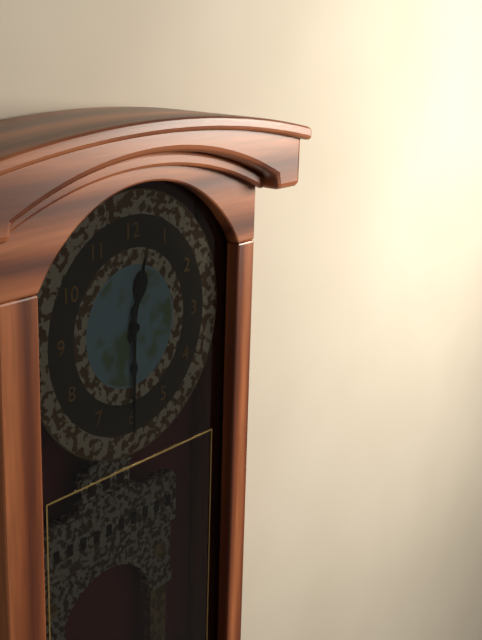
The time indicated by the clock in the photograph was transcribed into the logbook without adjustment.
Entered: 12:30
